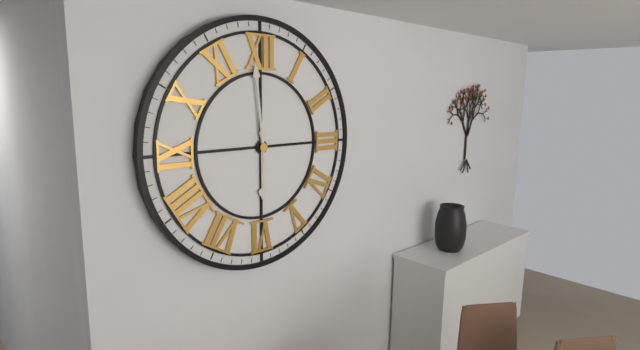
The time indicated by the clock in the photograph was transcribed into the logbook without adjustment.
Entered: 5:59
